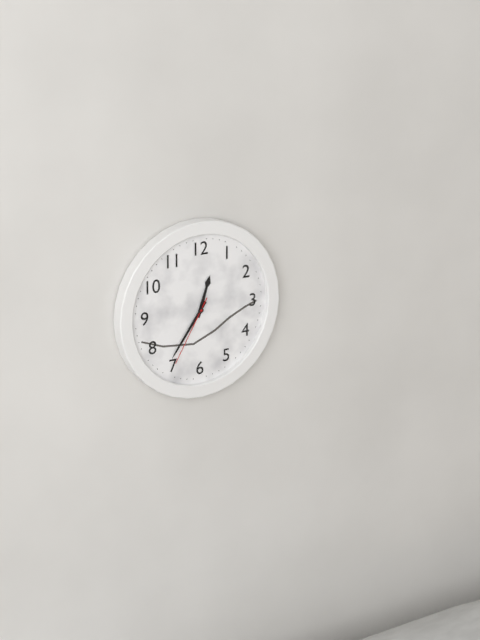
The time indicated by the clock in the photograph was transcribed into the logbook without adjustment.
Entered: 12:36:35
